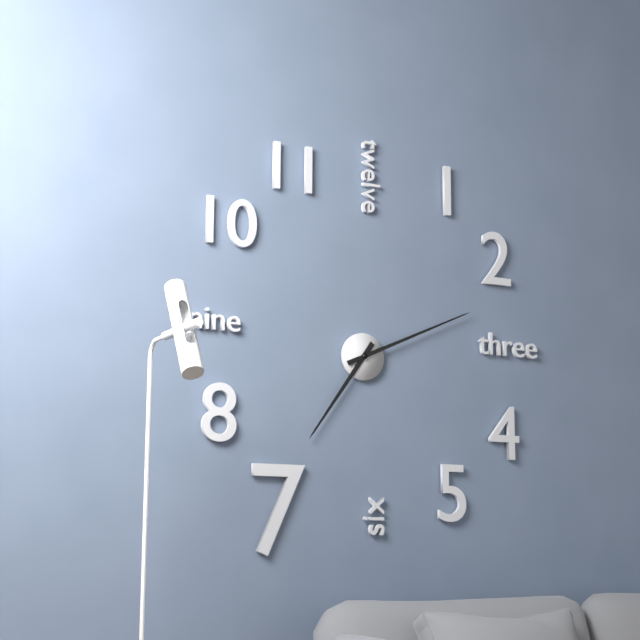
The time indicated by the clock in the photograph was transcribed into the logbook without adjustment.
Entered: 7:11
